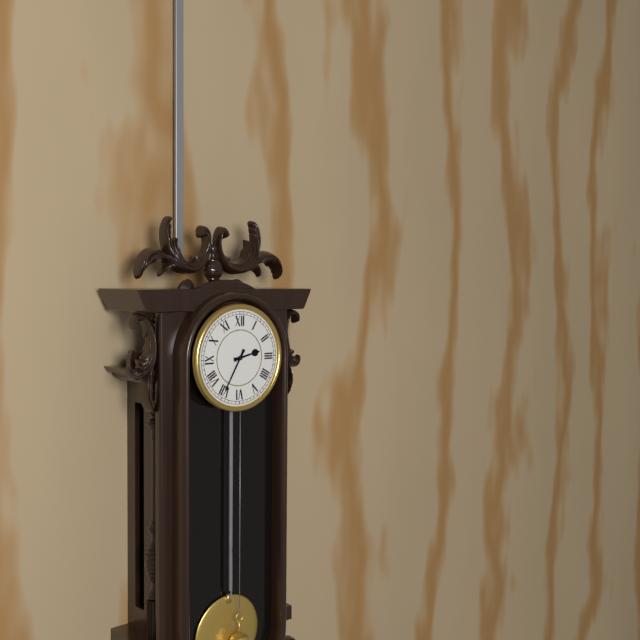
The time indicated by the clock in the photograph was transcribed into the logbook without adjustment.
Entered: 2:35
